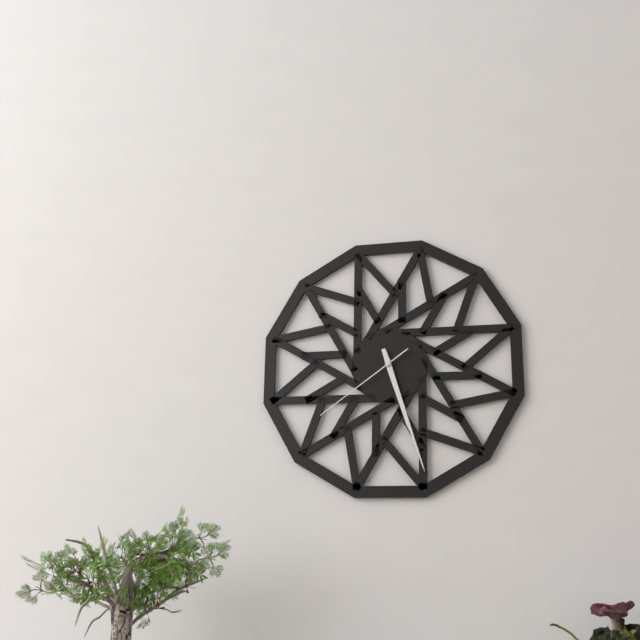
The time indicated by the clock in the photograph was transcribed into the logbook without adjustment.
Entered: 5:27:39
